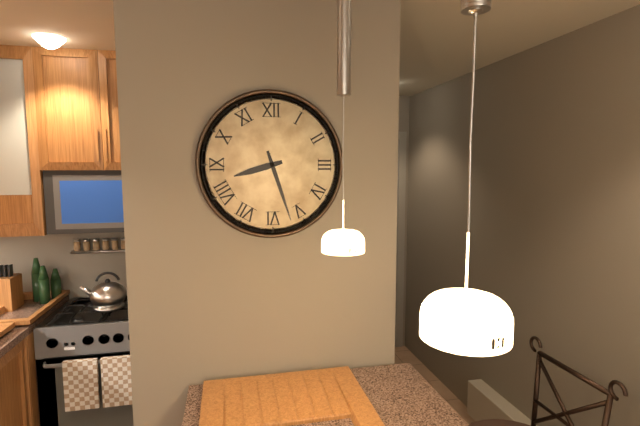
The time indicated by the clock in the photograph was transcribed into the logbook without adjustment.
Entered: 8:27
